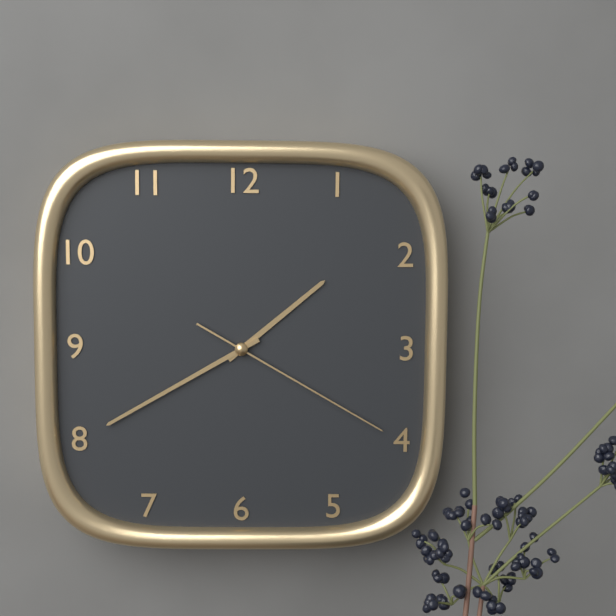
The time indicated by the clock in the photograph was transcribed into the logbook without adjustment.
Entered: 1:40:20
